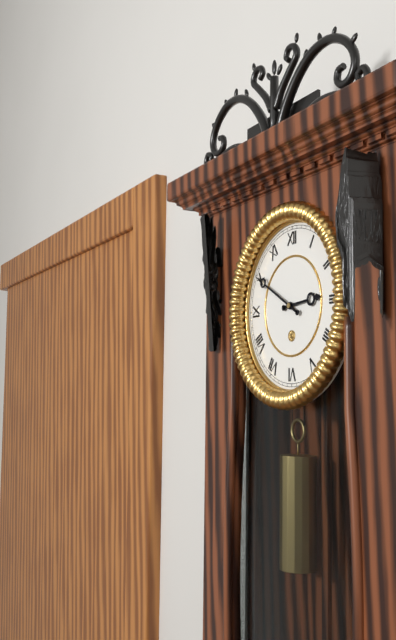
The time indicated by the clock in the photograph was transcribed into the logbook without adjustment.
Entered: 2:50
